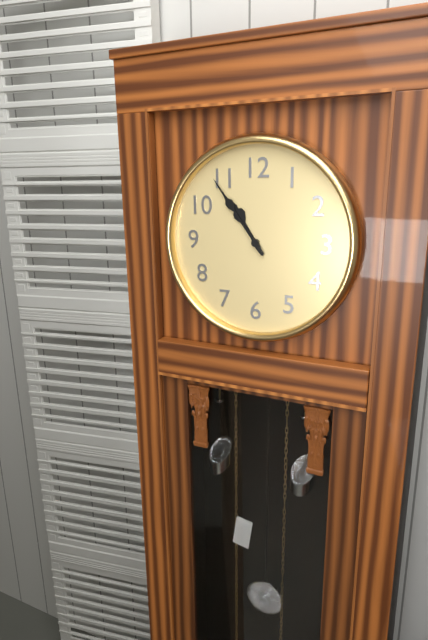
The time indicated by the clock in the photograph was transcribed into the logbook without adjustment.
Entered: 10:54
